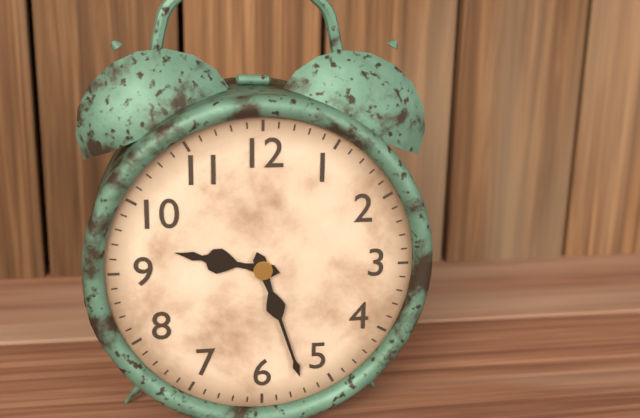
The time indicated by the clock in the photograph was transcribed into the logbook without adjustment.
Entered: 9:27
